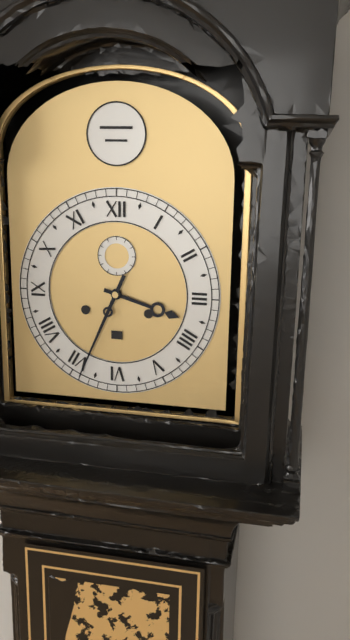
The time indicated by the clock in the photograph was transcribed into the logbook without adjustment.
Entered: 3:34
